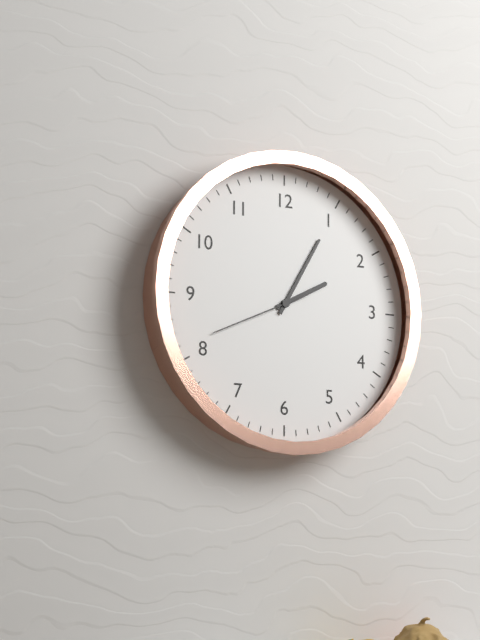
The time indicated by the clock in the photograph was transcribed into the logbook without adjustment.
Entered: 2:05:41
